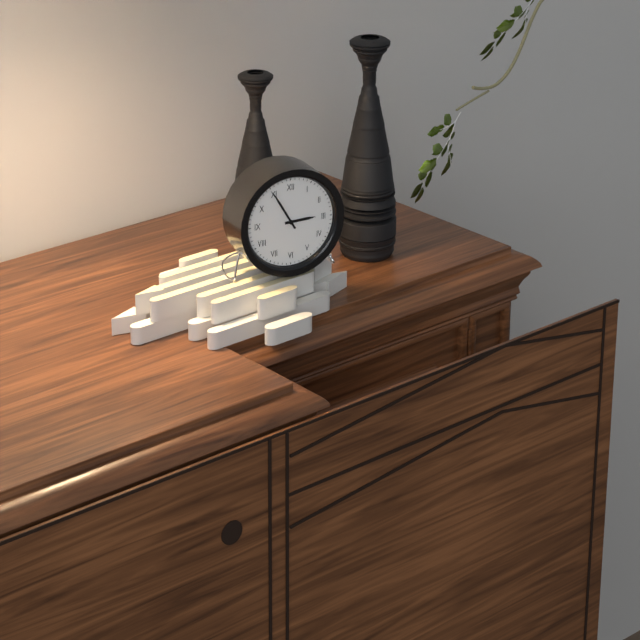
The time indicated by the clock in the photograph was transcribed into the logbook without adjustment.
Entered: 2:55
